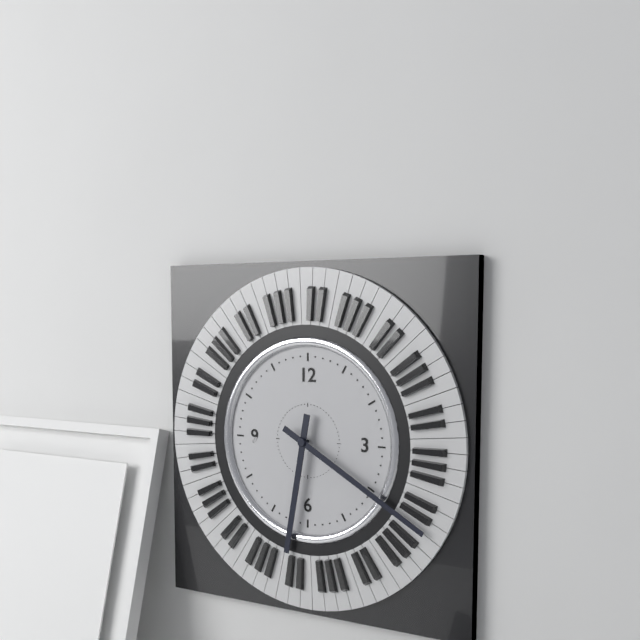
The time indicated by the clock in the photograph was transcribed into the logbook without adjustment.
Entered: 6:20
